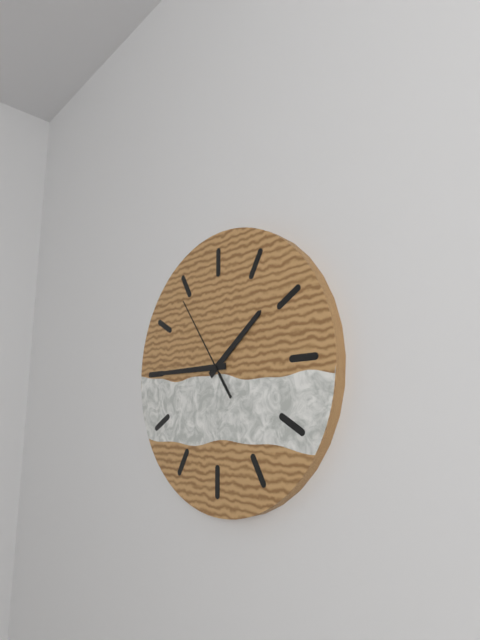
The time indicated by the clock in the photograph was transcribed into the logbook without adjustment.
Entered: 1:45:54
